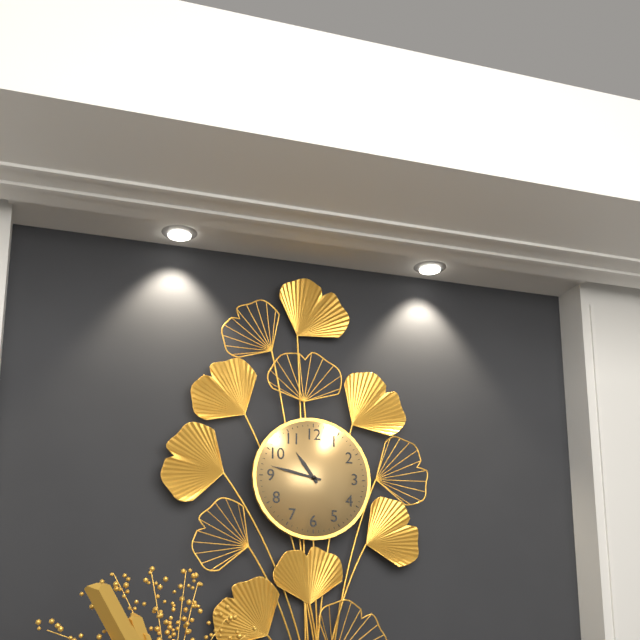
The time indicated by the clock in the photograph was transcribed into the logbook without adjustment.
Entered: 10:47
